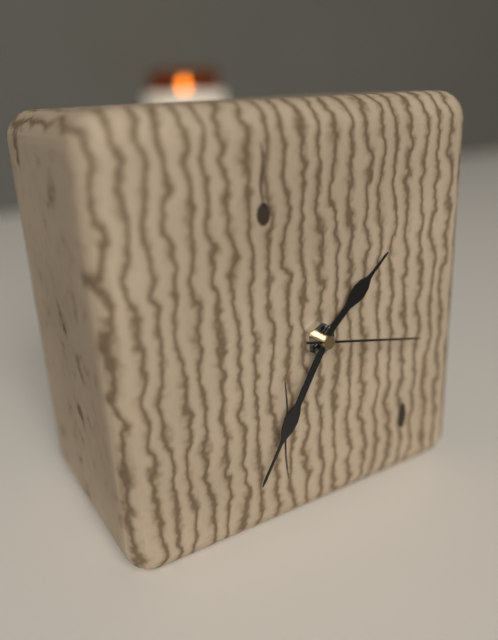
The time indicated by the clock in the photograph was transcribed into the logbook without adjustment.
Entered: 1:35:17
